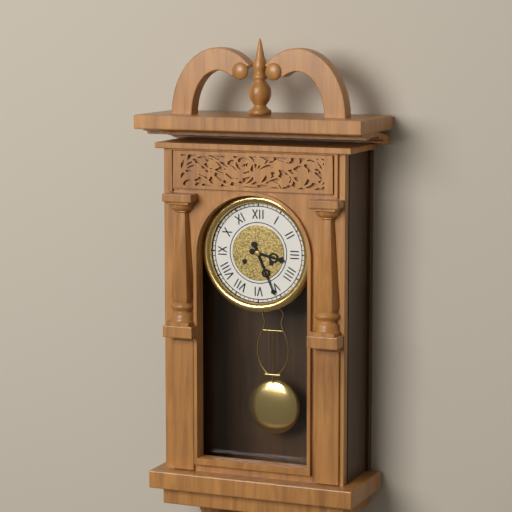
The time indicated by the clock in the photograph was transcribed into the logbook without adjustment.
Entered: 3:26
